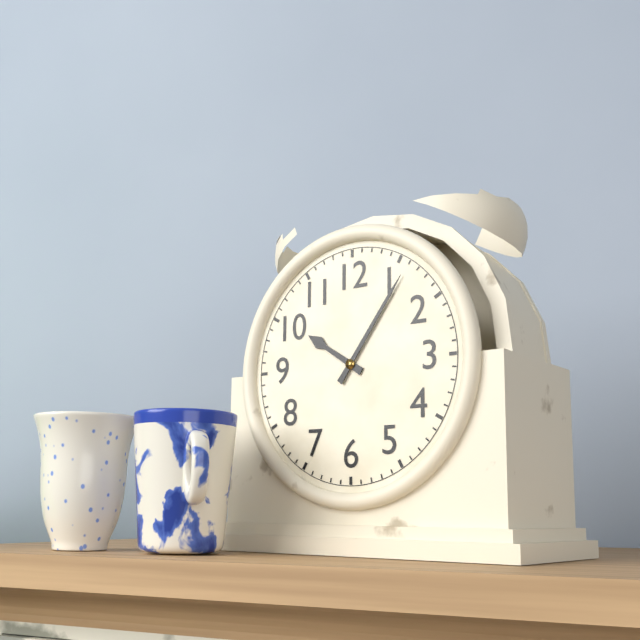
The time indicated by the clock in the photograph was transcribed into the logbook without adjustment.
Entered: 10:06
